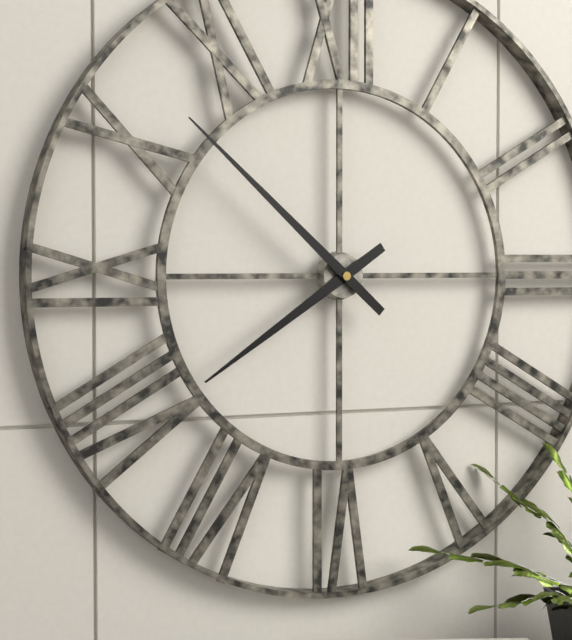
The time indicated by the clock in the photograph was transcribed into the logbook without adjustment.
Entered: 7:52
